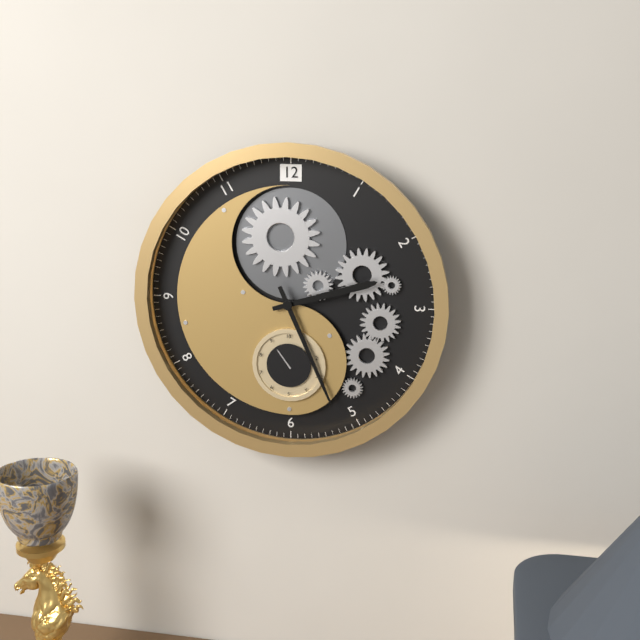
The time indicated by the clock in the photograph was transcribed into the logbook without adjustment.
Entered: 2:26
